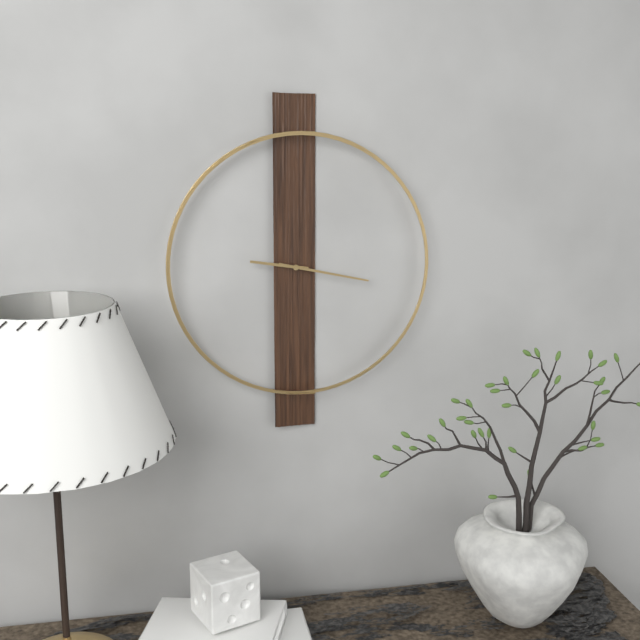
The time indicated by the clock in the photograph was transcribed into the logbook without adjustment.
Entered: 9:17
